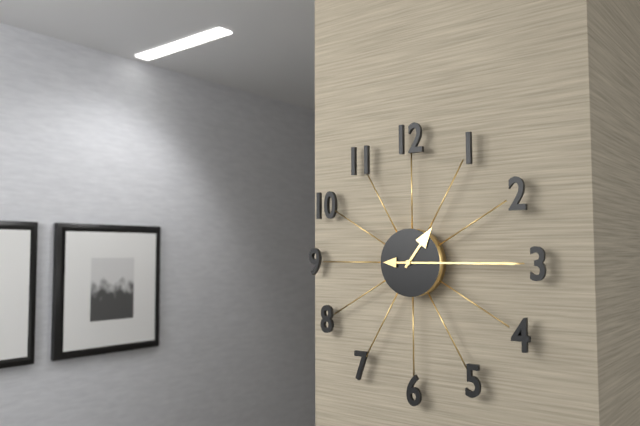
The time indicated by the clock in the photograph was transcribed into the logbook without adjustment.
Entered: 1:15
